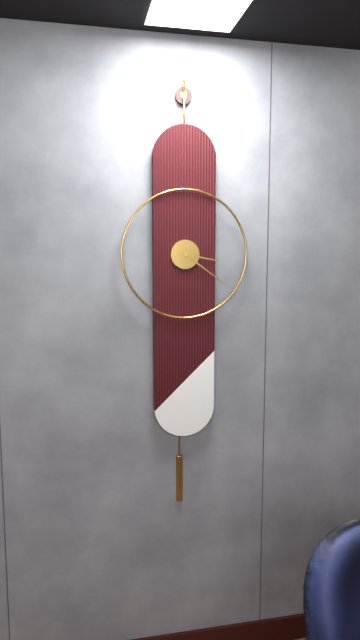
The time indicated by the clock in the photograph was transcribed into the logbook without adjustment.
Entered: 3:21
